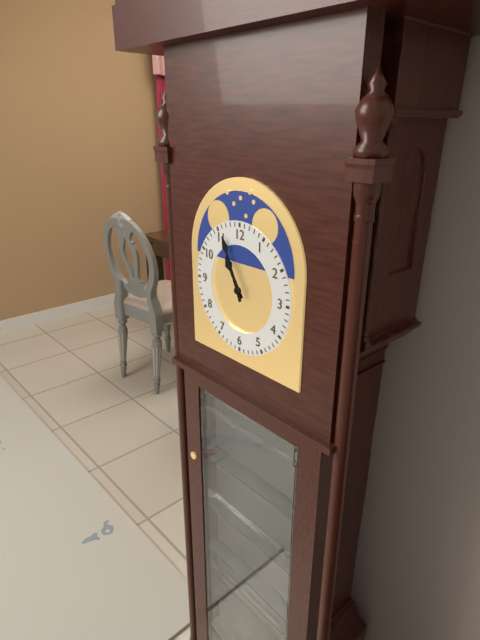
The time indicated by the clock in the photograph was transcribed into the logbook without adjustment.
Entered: 10:56
